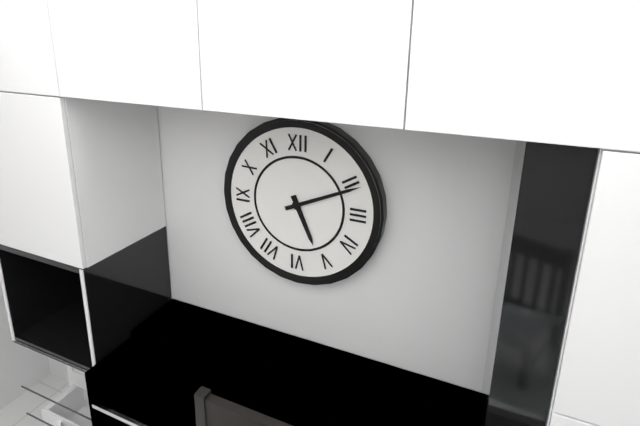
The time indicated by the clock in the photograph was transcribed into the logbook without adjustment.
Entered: 5:11
